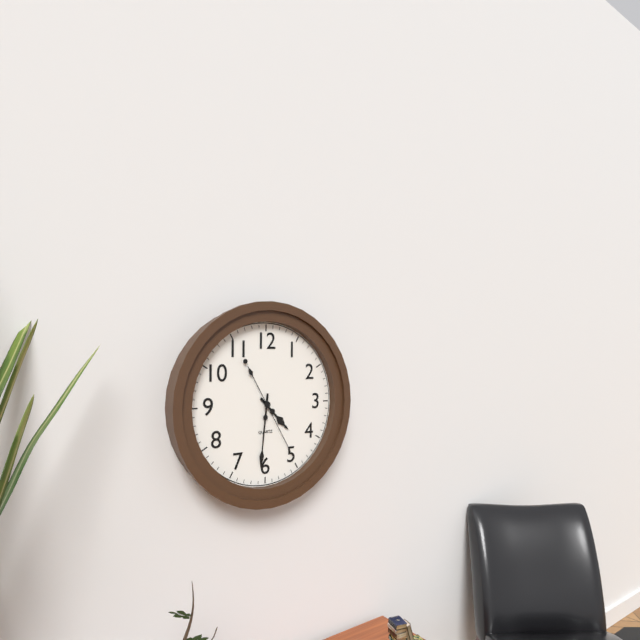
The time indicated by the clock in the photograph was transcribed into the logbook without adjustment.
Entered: 4:31:25
